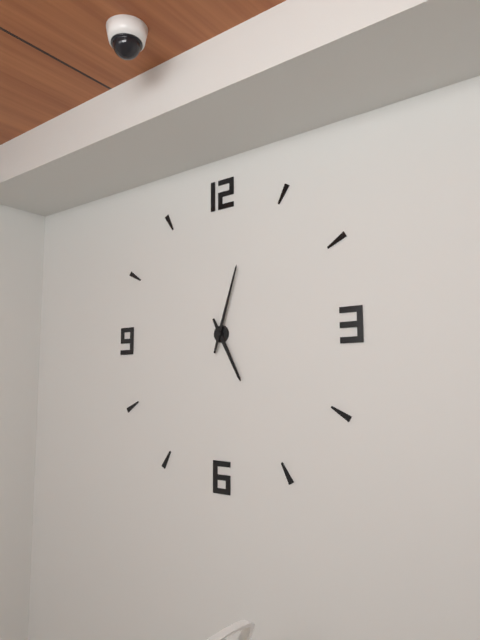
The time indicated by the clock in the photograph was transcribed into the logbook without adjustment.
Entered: 5:03
